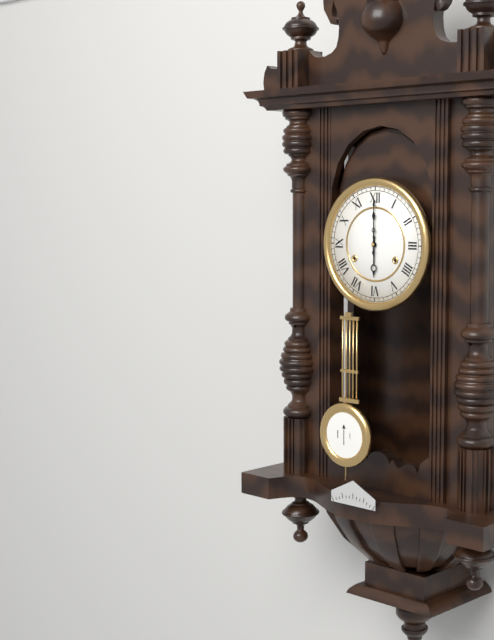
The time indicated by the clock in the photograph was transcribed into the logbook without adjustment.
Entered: 6:00
